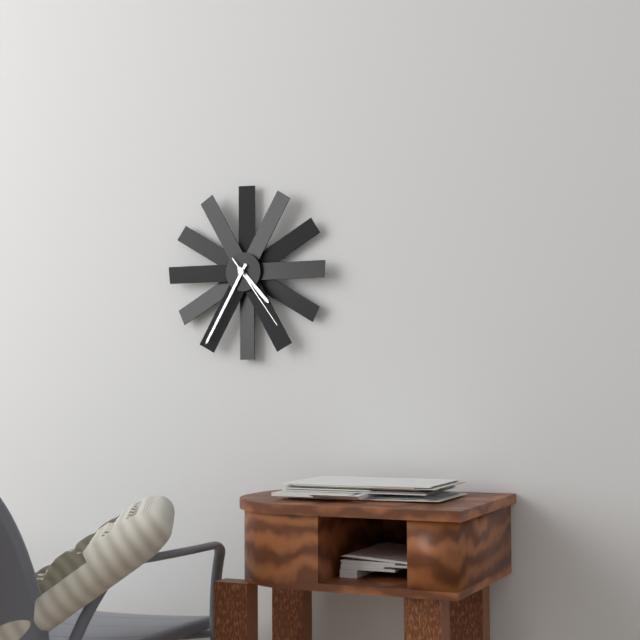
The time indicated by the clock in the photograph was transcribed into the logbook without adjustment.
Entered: 4:35:24
